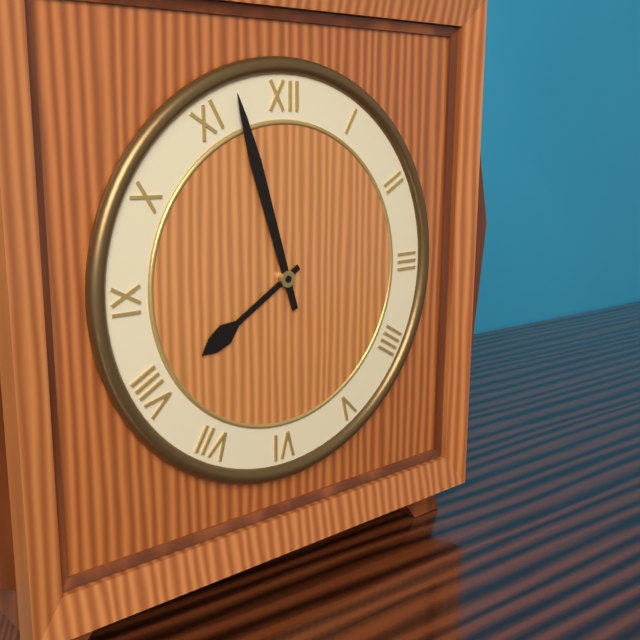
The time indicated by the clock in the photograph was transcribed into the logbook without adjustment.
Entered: 7:57
